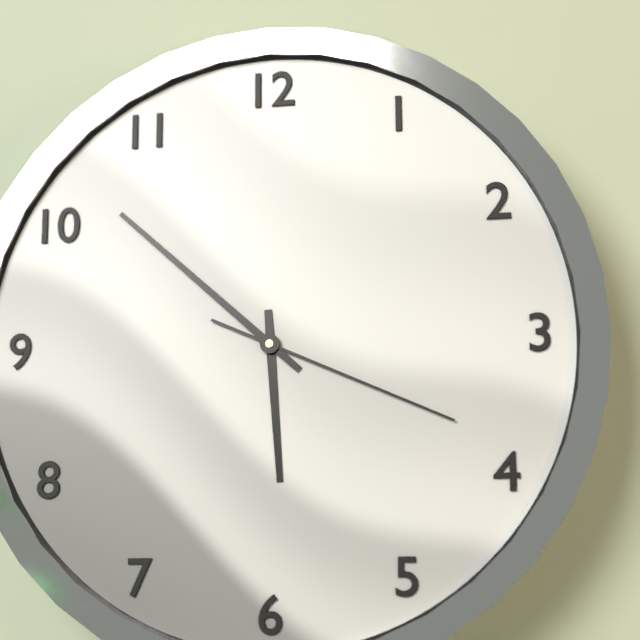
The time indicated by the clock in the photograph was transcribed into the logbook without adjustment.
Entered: 5:52:19
